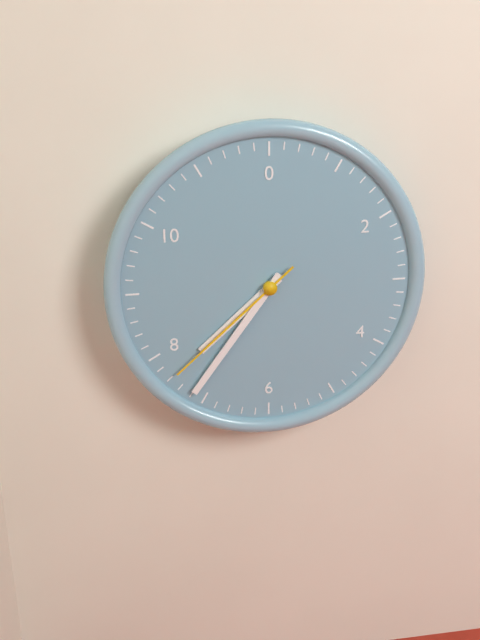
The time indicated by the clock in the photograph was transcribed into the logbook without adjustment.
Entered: 7:36:38
